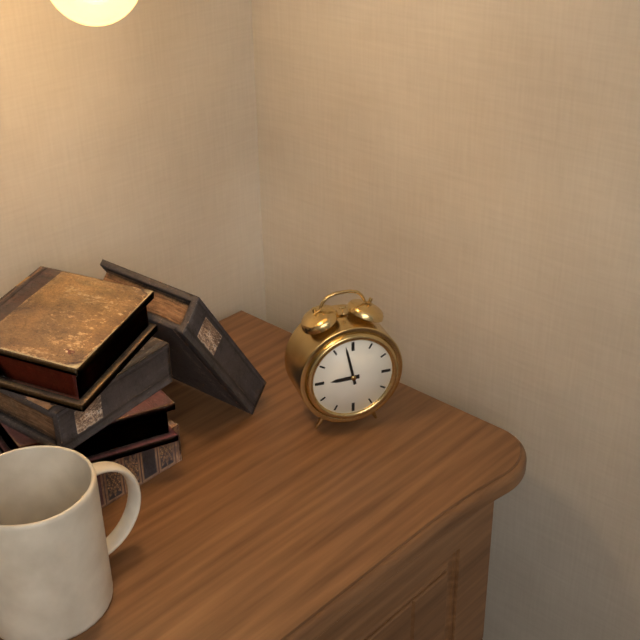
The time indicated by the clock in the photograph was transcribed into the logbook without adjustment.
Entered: 8:58
